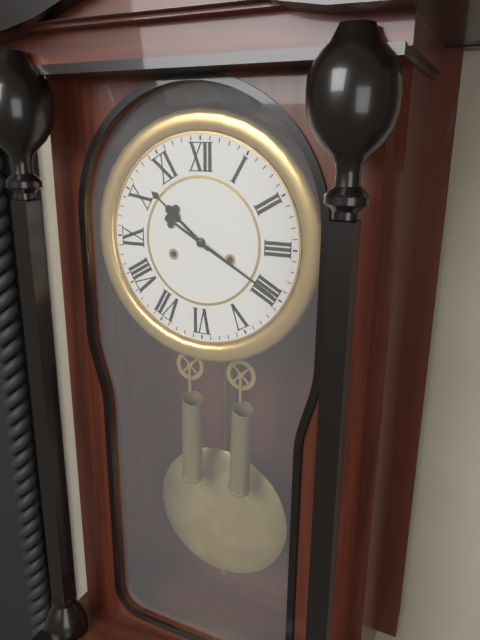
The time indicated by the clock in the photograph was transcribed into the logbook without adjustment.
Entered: 10:20
